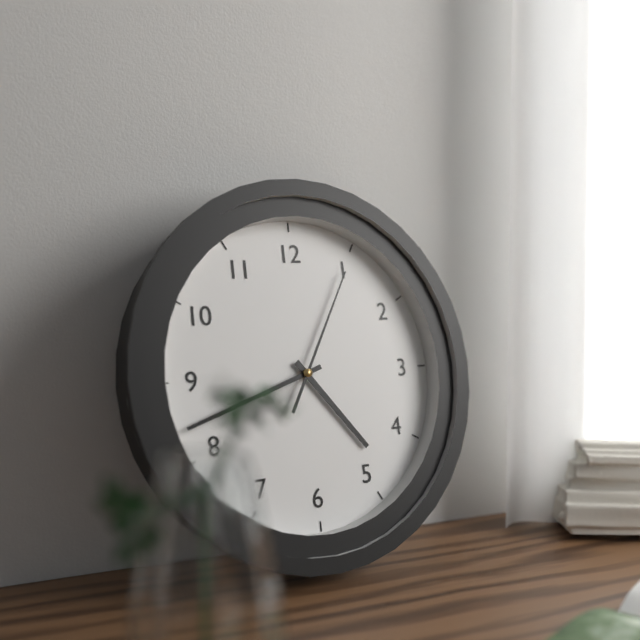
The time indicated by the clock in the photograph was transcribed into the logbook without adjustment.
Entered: 4:42:05
